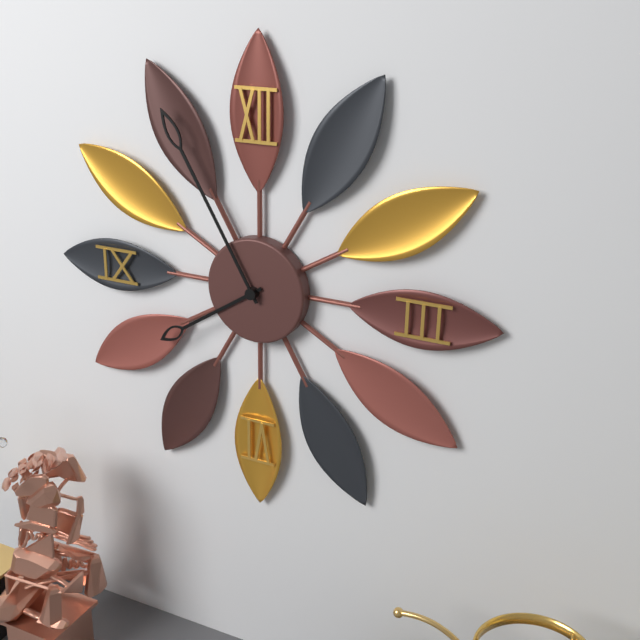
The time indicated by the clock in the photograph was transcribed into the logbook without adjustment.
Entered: 7:55
